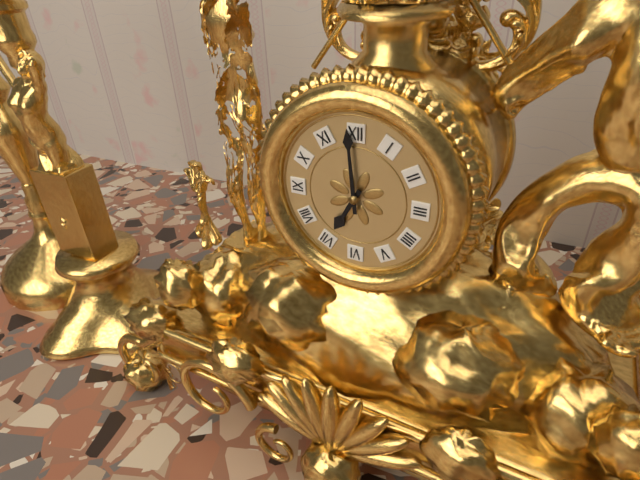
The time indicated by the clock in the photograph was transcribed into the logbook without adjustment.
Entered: 6:59
